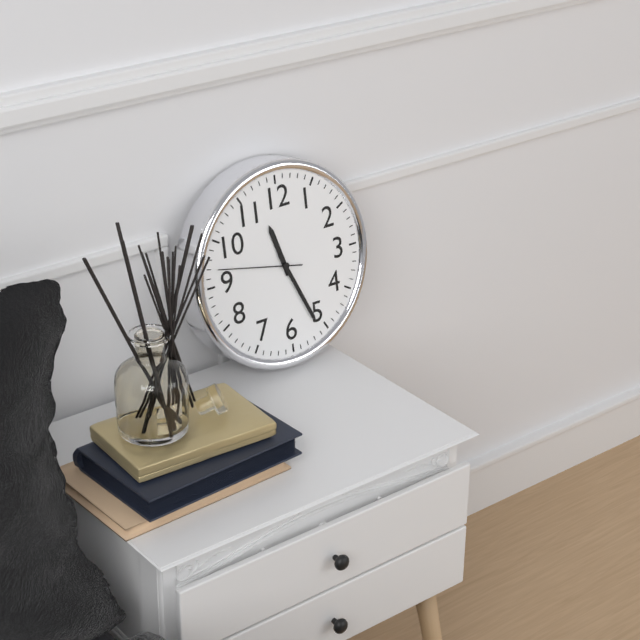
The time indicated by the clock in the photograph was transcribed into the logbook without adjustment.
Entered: 11:26:47
